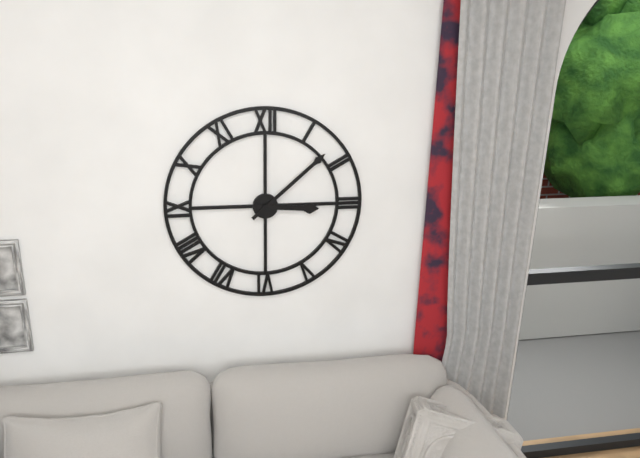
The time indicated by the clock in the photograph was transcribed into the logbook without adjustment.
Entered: 3:08
